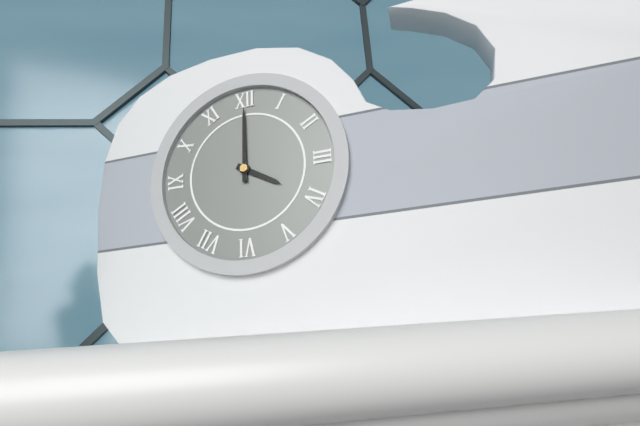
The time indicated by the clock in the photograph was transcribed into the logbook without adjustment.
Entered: 4:00
